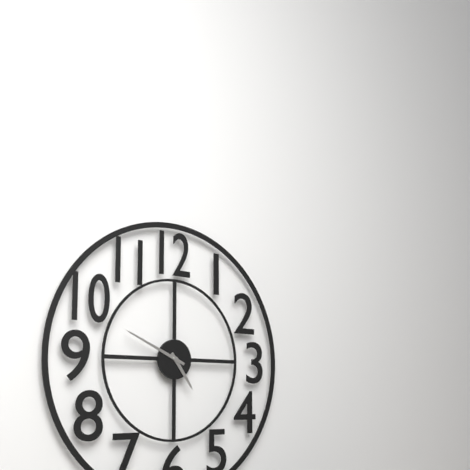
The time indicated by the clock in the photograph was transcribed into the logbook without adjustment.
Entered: 4:49
